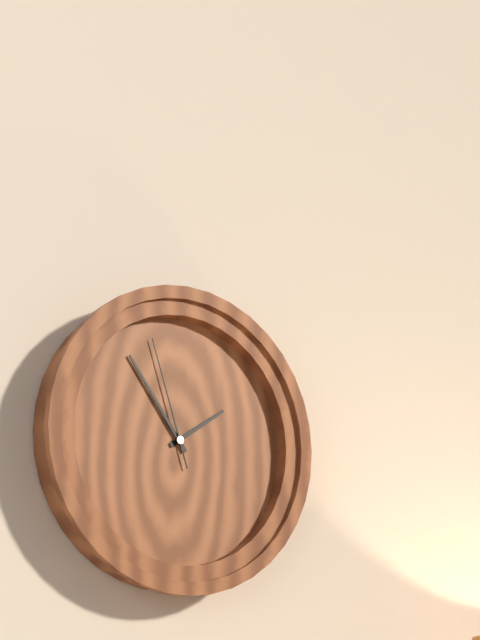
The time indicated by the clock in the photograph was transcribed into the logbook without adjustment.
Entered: 1:54:57
